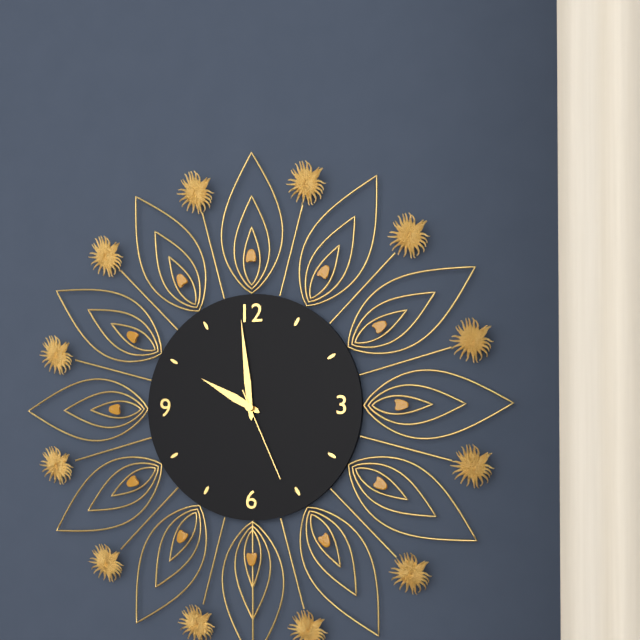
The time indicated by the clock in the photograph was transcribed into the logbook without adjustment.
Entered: 9:59:26
